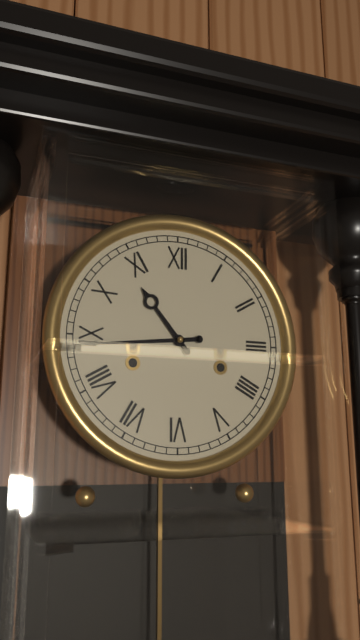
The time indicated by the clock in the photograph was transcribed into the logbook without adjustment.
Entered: 10:44
